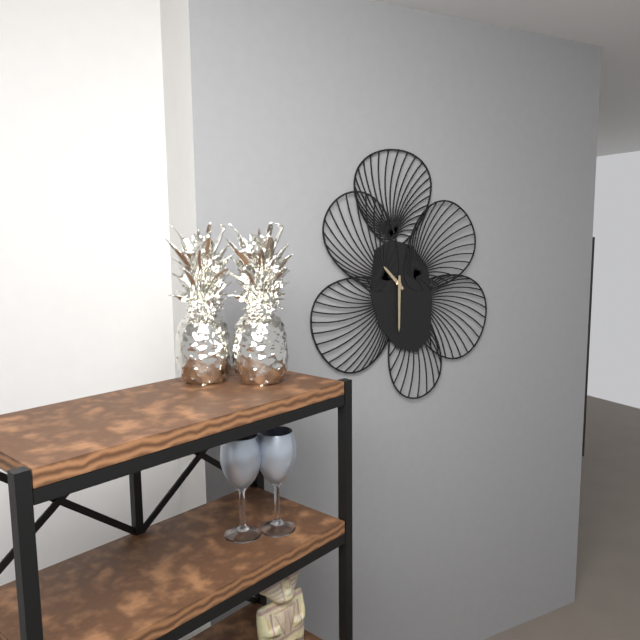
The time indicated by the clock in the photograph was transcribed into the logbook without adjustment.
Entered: 10:30
